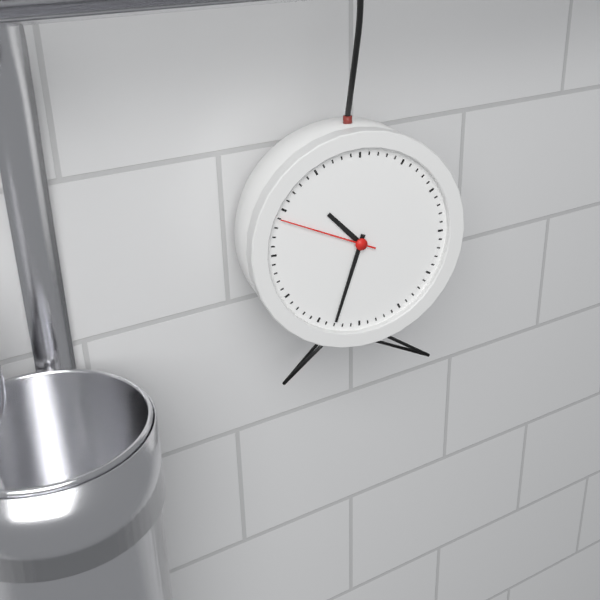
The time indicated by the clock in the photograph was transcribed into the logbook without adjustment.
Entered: 10:33:49
